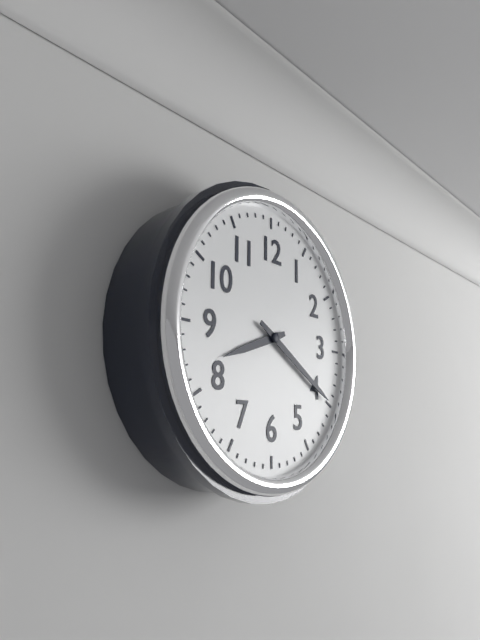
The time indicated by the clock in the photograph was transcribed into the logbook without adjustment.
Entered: 8:20
